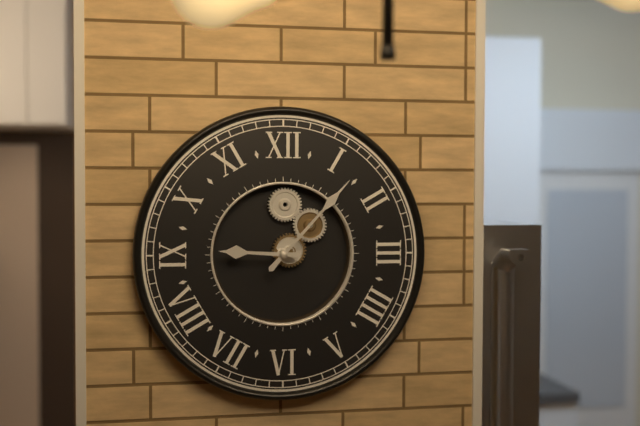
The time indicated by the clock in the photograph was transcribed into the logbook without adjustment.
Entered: 9:07
